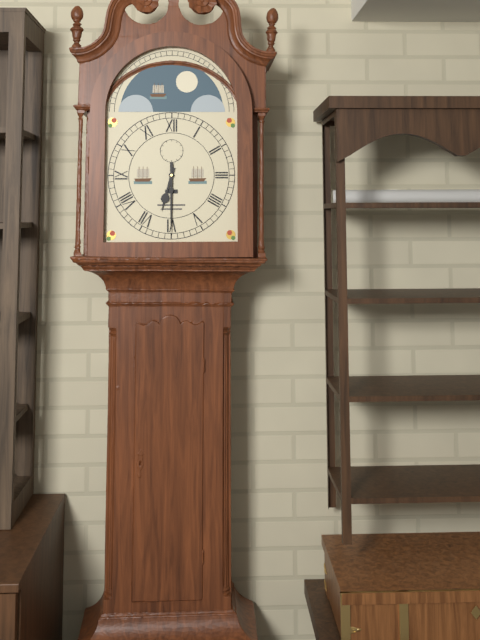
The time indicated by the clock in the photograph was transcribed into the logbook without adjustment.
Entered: 6:30
